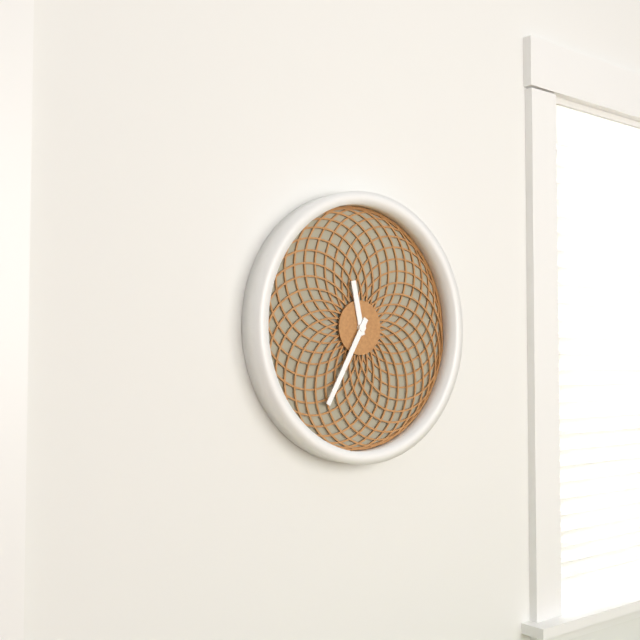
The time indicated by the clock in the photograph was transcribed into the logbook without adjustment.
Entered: 11:35
